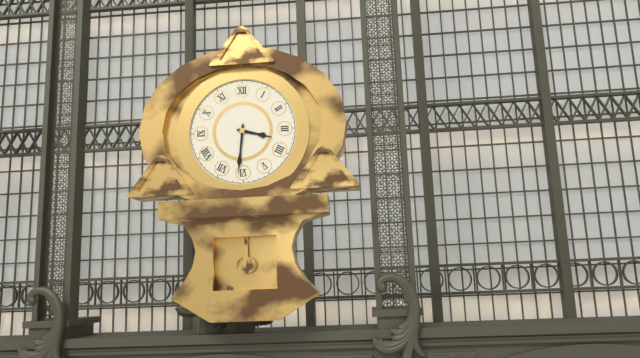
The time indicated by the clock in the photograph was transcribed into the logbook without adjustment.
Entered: 3:31
